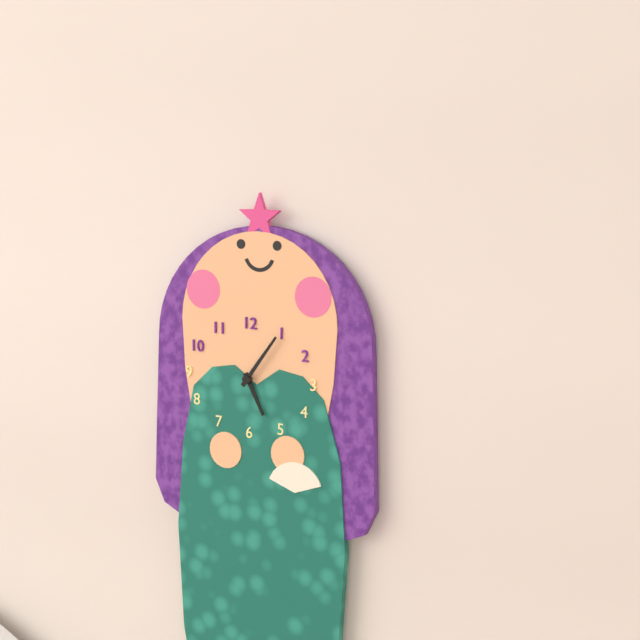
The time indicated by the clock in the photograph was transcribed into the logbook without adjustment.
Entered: 5:06
